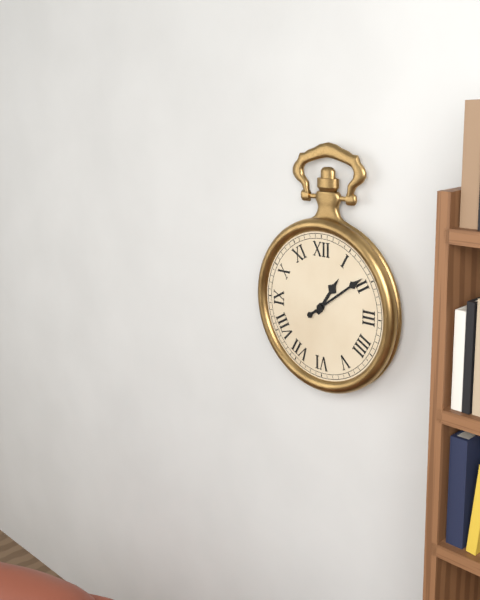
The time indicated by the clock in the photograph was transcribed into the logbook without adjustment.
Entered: 1:09
